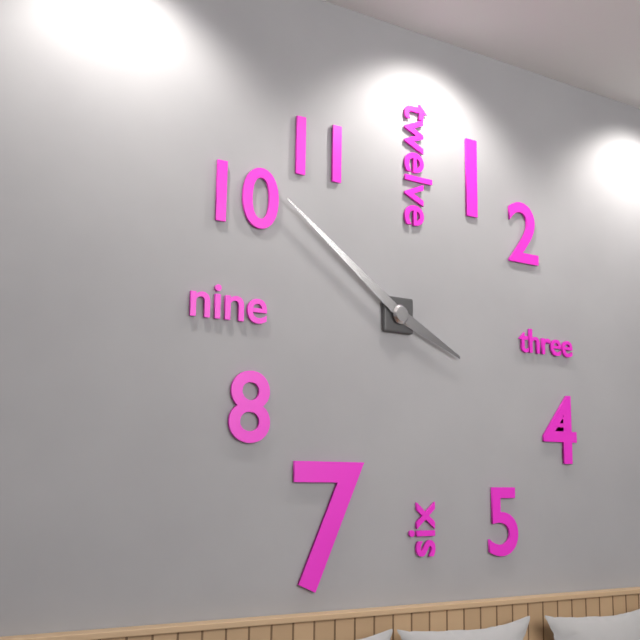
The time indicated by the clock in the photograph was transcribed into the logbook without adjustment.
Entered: 3:51
